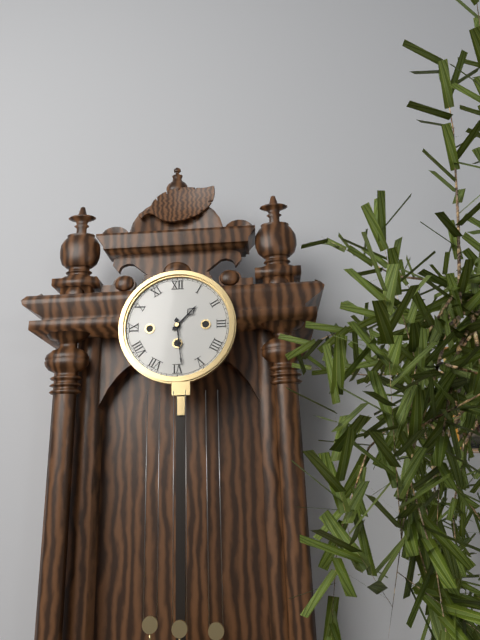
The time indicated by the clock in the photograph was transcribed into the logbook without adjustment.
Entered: 1:29
